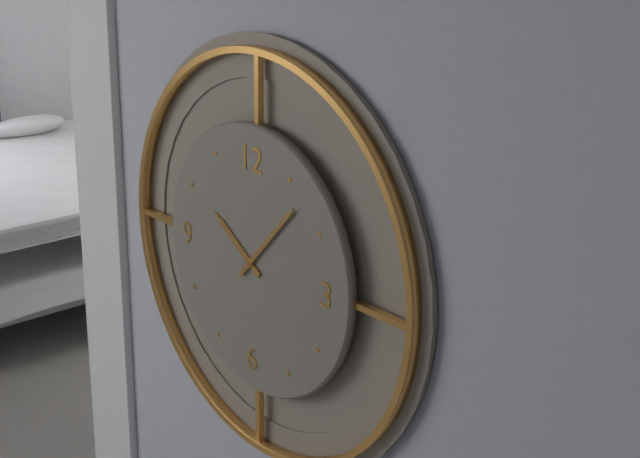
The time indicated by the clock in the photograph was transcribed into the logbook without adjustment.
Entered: 10:07
